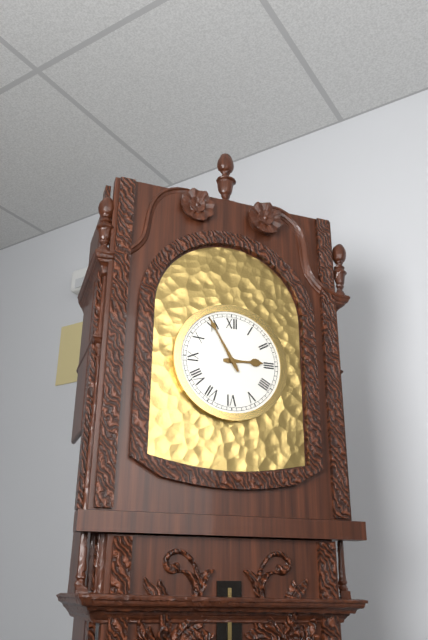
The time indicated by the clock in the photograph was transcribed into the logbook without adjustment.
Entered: 2:55
